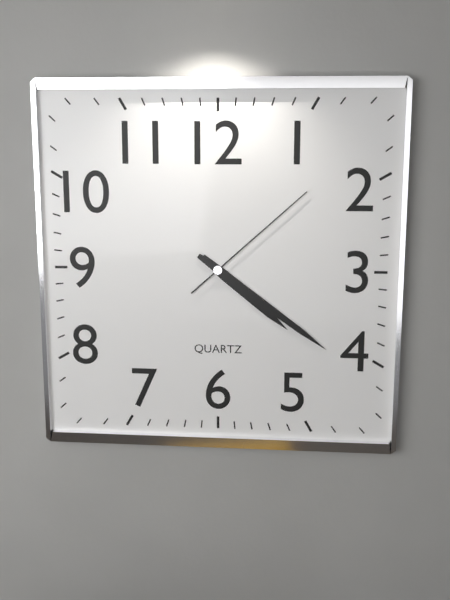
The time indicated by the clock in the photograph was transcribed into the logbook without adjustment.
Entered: 4:21:08
